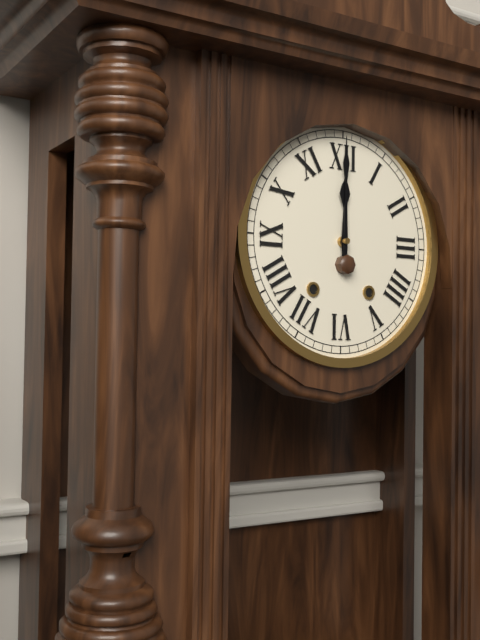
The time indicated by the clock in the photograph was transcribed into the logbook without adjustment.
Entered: 12:00
